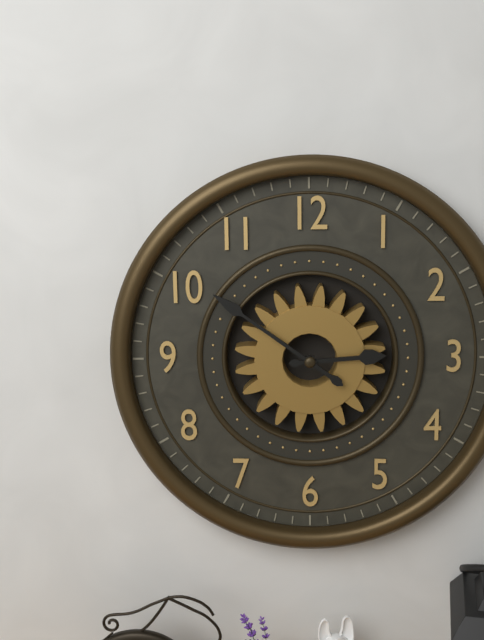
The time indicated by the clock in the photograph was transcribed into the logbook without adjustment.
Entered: 2:51
